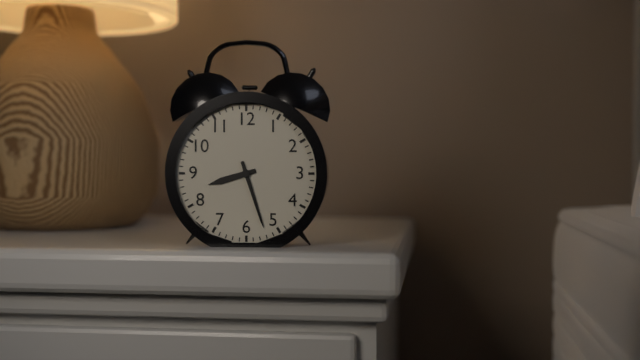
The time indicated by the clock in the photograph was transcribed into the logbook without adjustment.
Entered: 8:27
